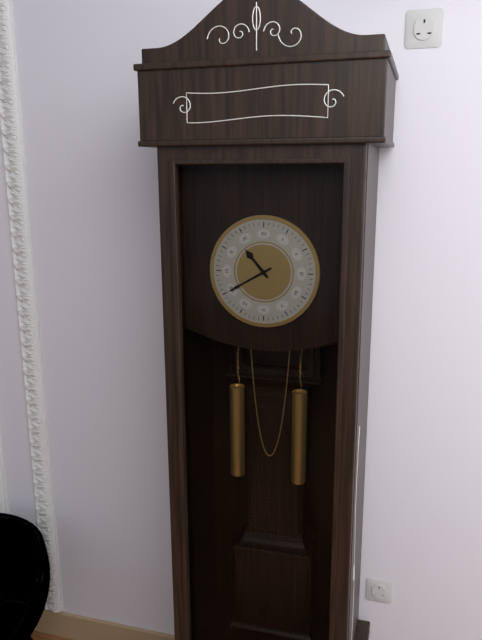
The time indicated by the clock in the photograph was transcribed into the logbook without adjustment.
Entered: 10:40
